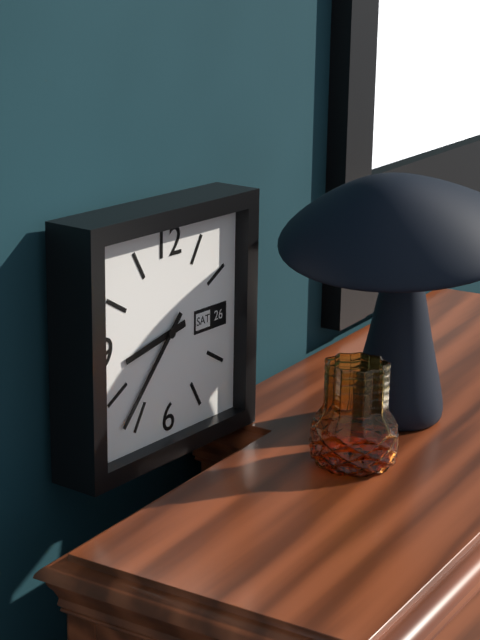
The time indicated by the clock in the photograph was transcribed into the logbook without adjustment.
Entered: 8:37
